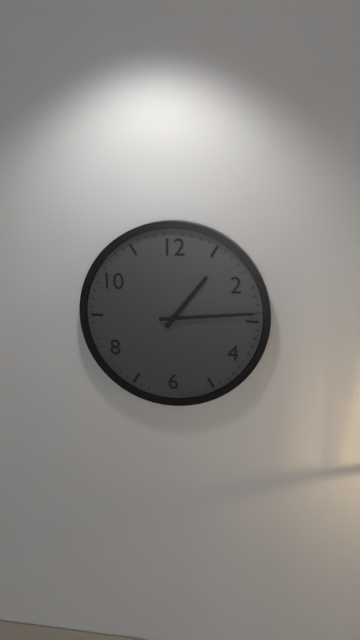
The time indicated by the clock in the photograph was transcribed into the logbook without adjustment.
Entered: 1:14
